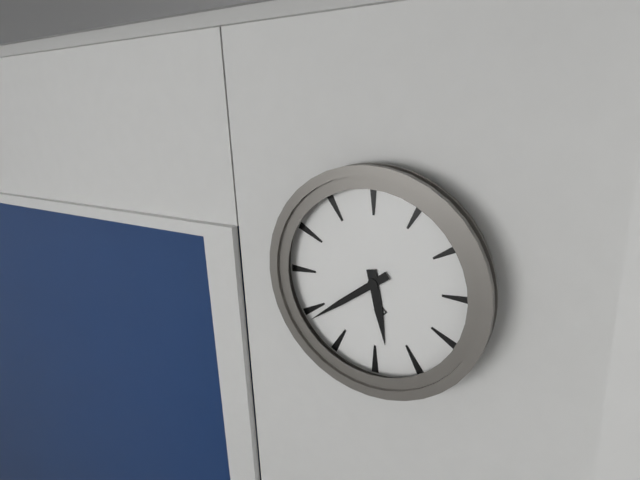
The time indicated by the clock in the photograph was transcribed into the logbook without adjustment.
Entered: 5:39
